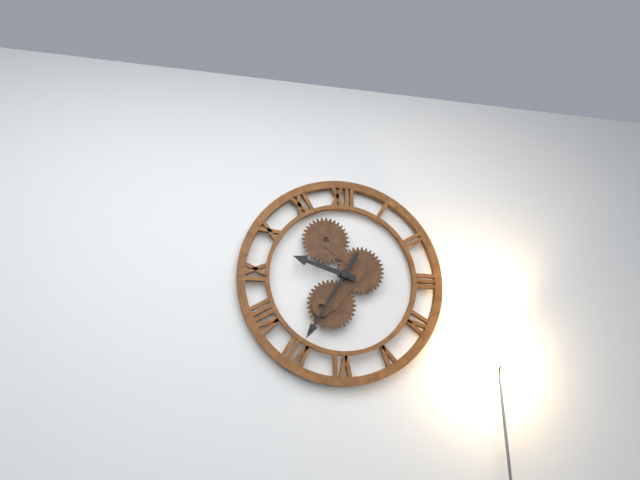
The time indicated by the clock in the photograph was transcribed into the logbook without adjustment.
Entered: 9:35
